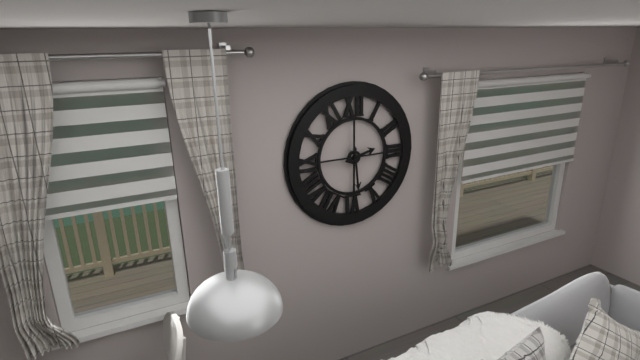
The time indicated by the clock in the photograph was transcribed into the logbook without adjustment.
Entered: 2:29
